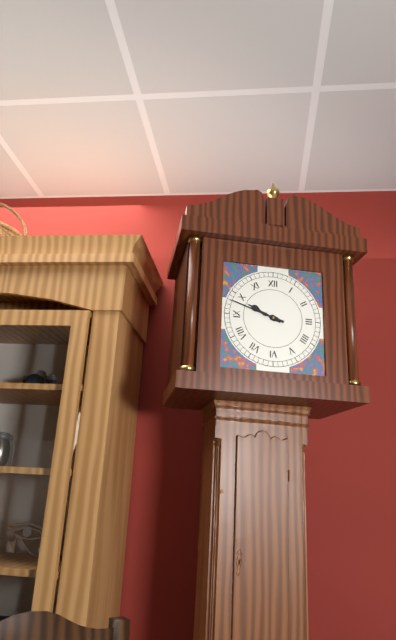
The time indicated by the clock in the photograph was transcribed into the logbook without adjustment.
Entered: 9:48
